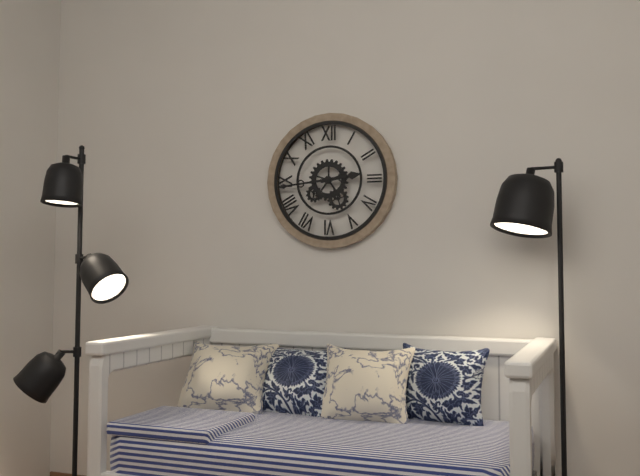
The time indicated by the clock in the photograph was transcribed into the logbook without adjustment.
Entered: 2:44
